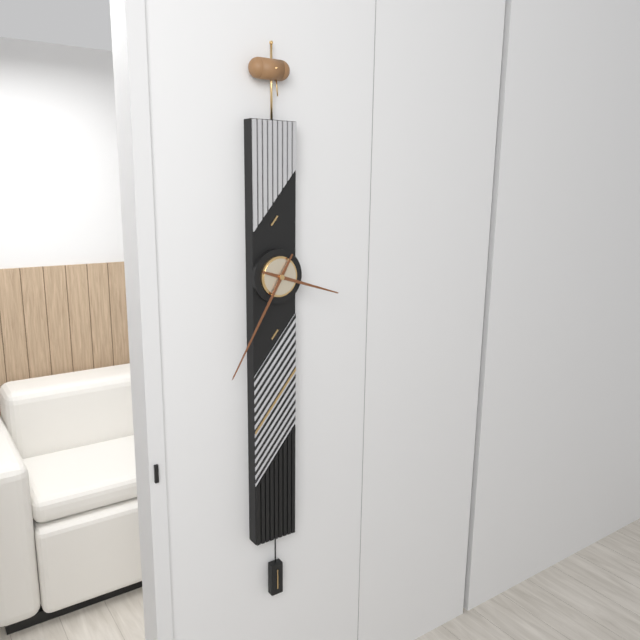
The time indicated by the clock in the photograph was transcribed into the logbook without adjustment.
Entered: 3:35
